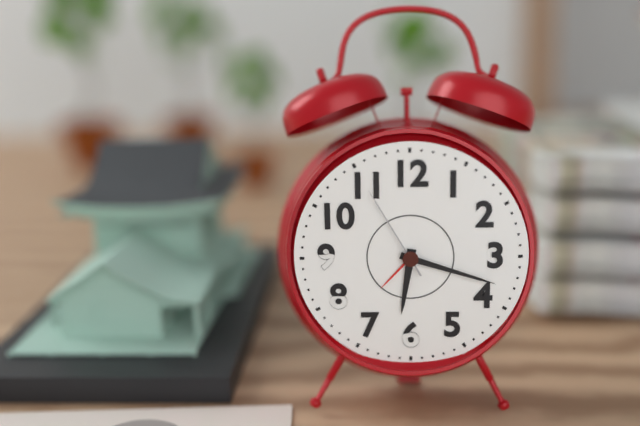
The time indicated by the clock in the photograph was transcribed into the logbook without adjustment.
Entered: 6:18:55
